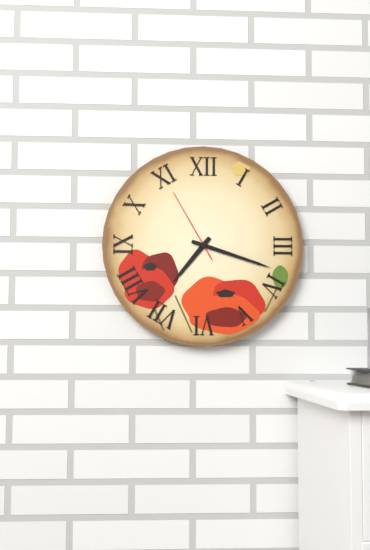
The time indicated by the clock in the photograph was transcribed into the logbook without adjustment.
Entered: 7:18:55
